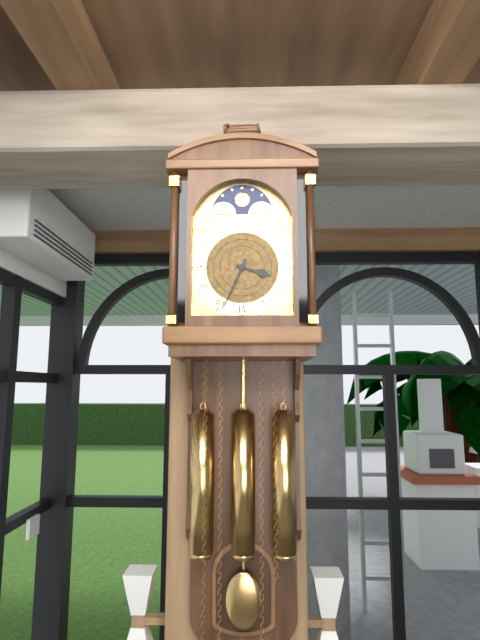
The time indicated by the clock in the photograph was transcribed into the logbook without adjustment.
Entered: 3:34
